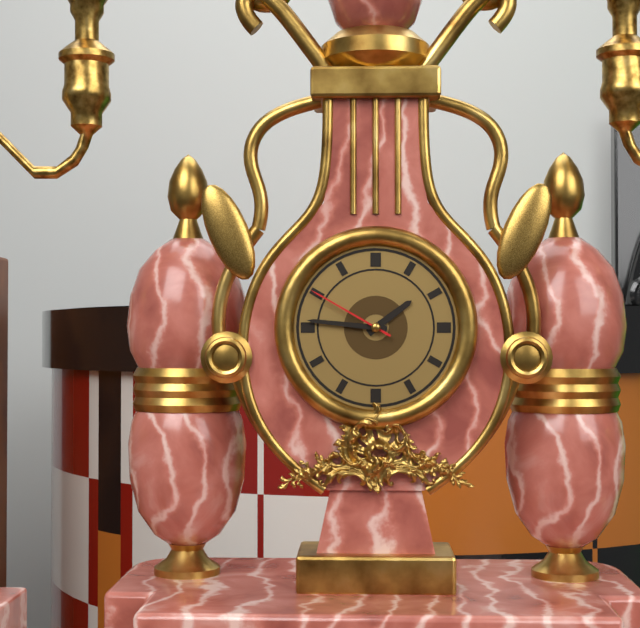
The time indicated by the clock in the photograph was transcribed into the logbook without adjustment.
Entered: 1:46:50
